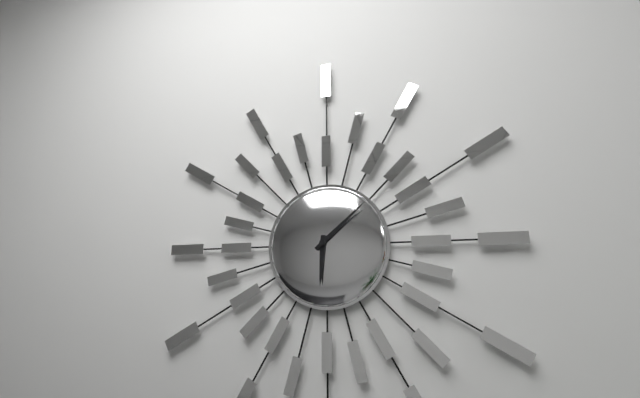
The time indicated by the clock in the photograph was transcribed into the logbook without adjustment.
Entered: 6:08
